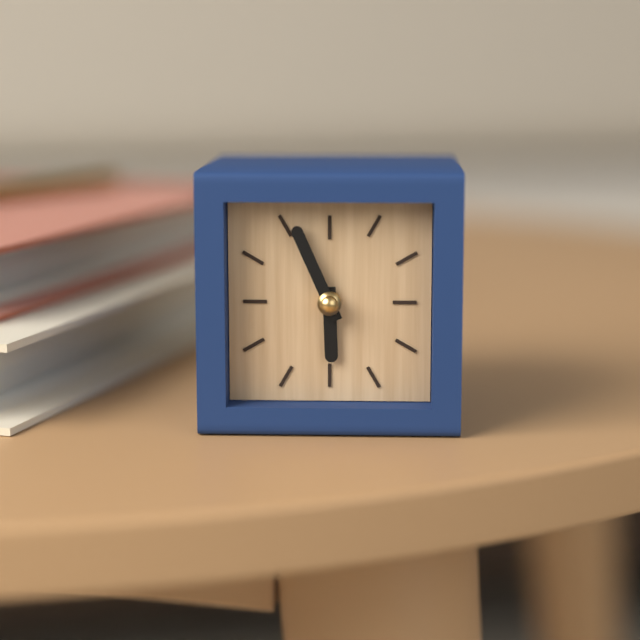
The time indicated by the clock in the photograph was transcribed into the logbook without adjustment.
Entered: 5:56
